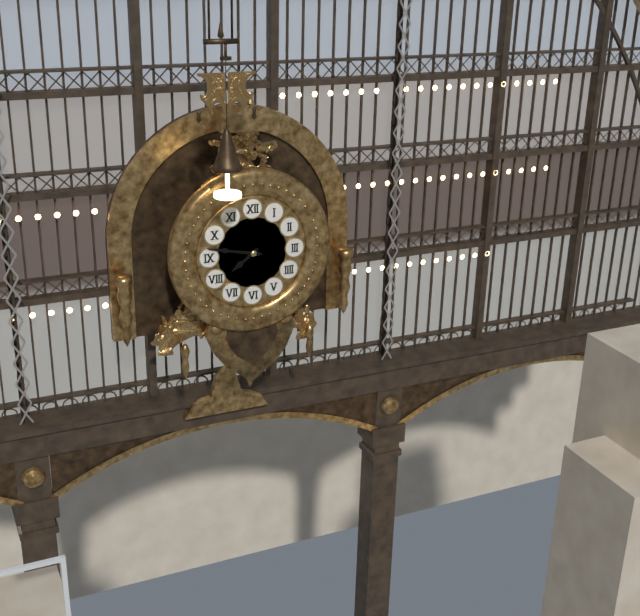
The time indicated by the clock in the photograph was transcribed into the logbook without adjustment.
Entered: 7:47
